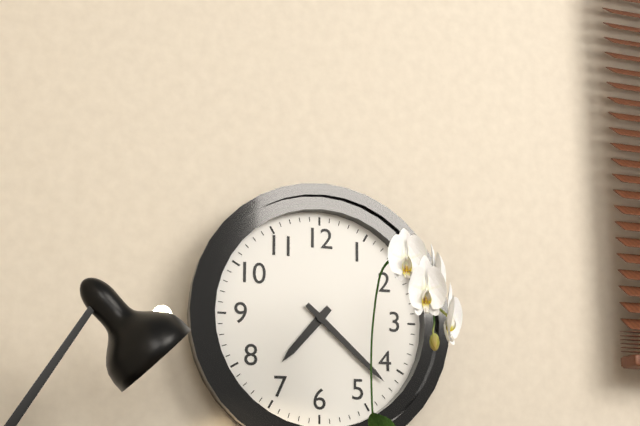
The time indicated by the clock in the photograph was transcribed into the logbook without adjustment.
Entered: 7:22
